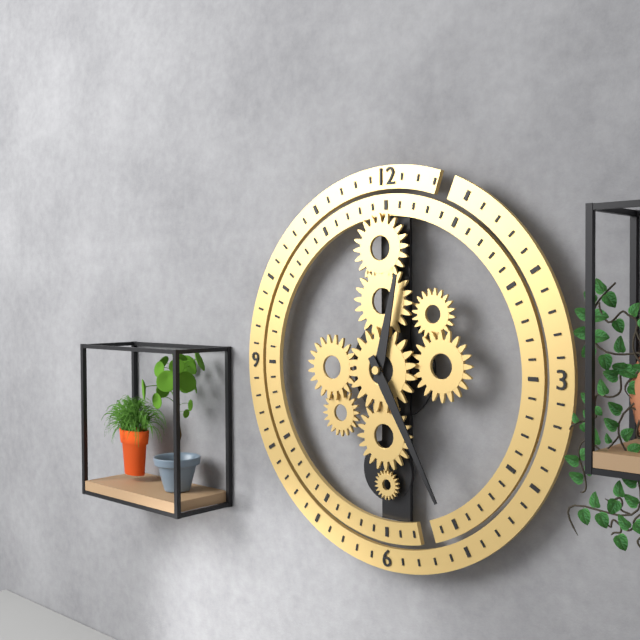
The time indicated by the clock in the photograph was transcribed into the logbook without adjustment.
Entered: 12:25
